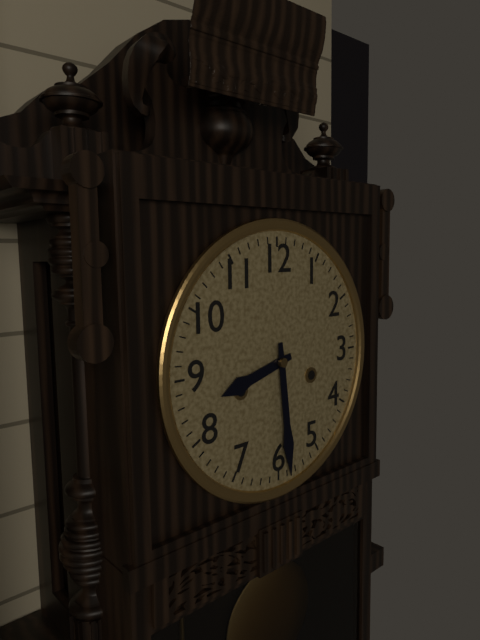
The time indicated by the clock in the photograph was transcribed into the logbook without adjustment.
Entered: 8:29
